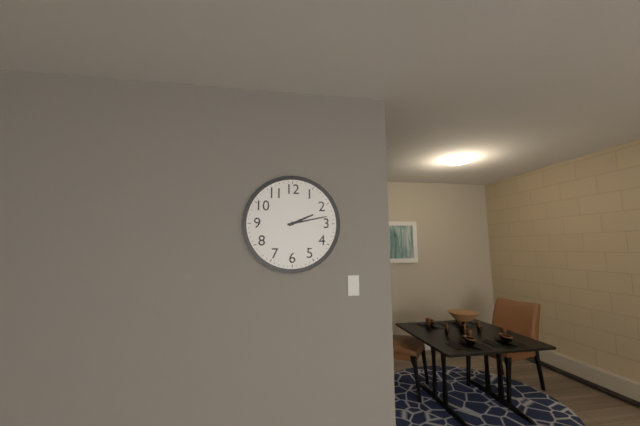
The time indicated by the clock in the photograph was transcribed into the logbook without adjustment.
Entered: 2:13
